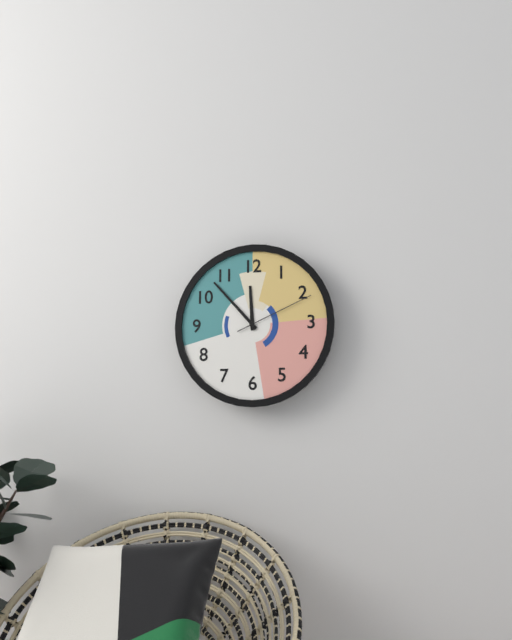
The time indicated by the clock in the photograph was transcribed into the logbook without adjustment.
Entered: 11:53:11
